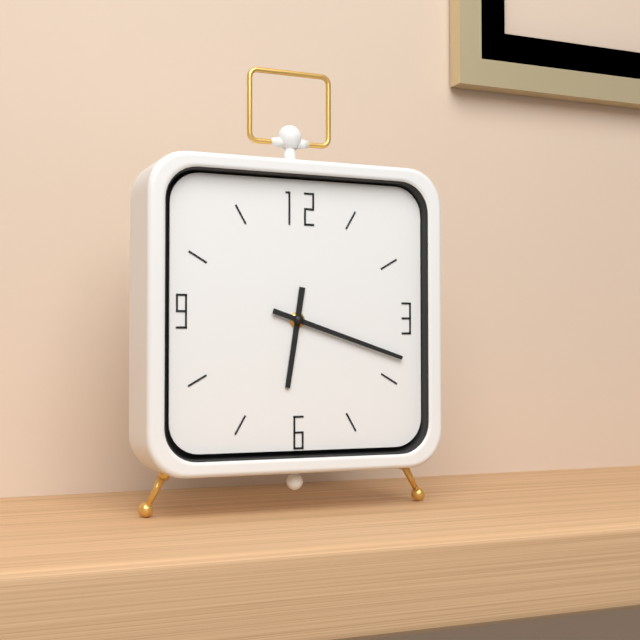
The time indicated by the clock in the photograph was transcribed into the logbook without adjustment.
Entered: 6:18
